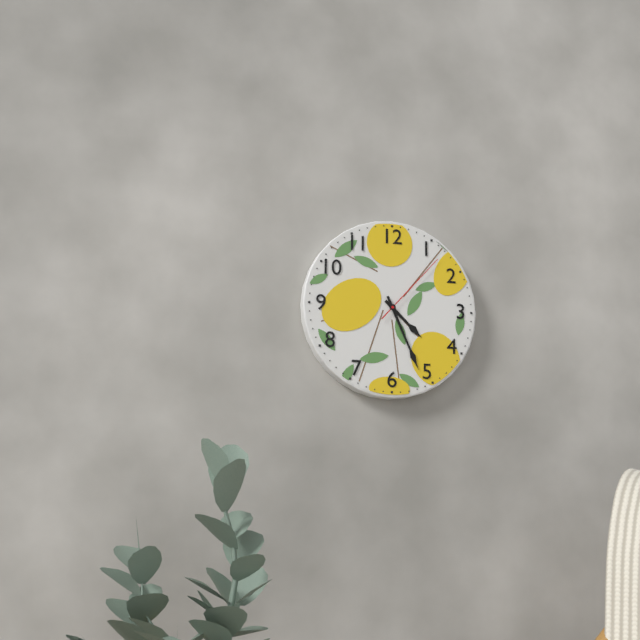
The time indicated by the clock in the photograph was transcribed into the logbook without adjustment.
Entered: 4:26:07
